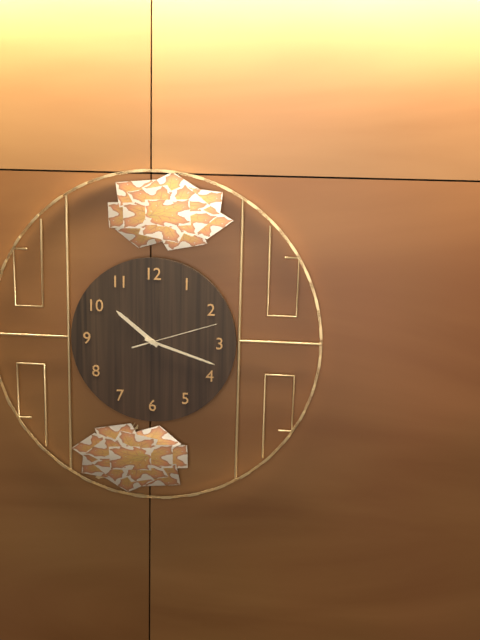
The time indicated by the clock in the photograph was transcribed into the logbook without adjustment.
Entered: 10:18:12
